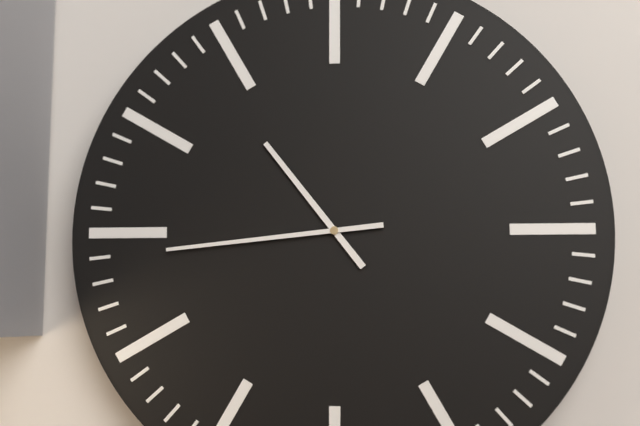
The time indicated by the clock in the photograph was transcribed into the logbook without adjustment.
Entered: 10:44
